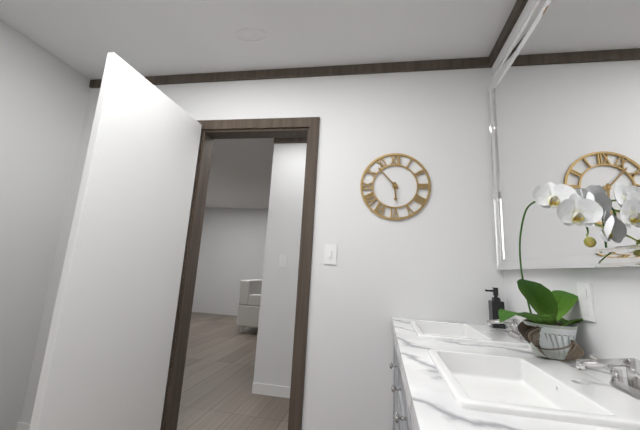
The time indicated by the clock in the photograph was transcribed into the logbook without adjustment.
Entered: 5:53
